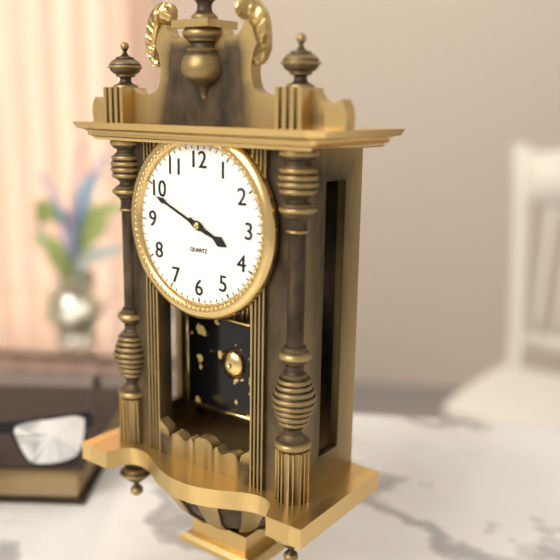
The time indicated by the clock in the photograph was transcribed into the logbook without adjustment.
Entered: 3:49
